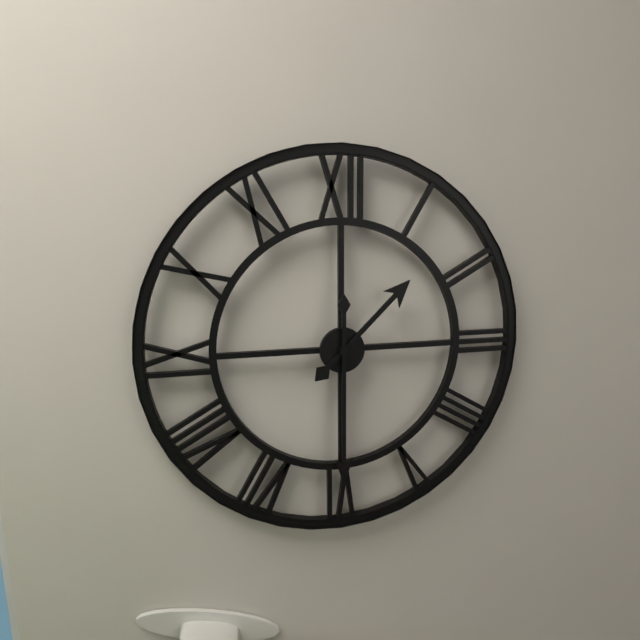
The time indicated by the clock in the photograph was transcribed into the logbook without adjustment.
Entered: 1:30
